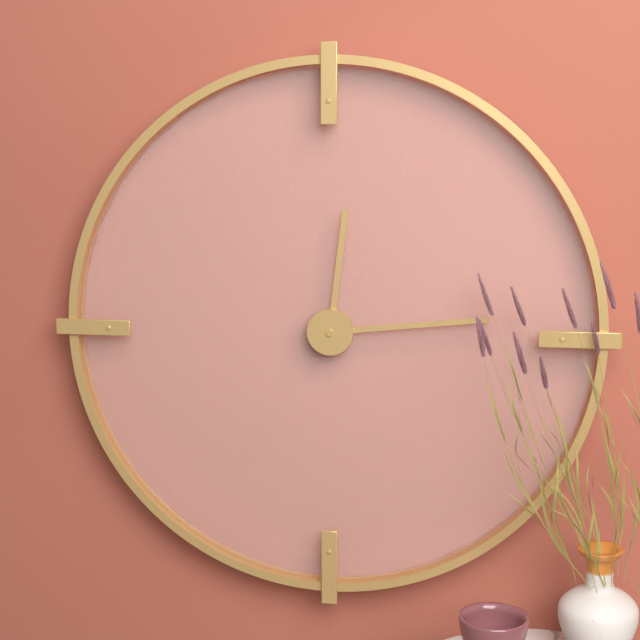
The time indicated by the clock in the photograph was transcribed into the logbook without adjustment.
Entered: 12:14
